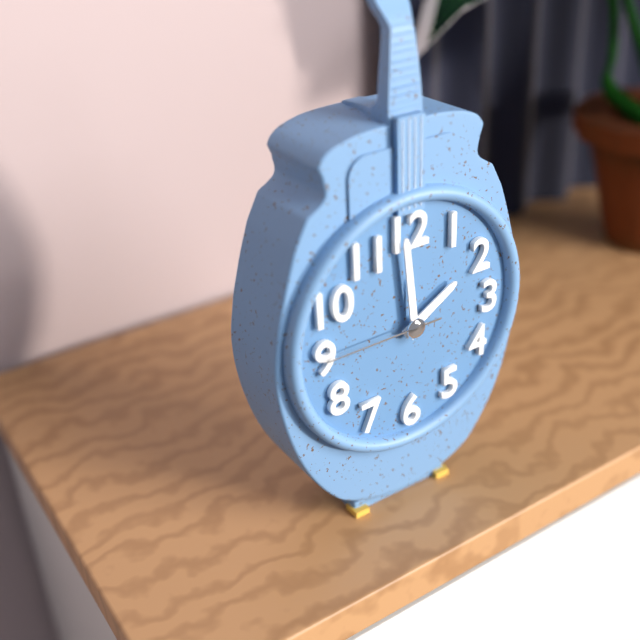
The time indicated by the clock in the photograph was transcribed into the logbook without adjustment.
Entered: 1:59:45
